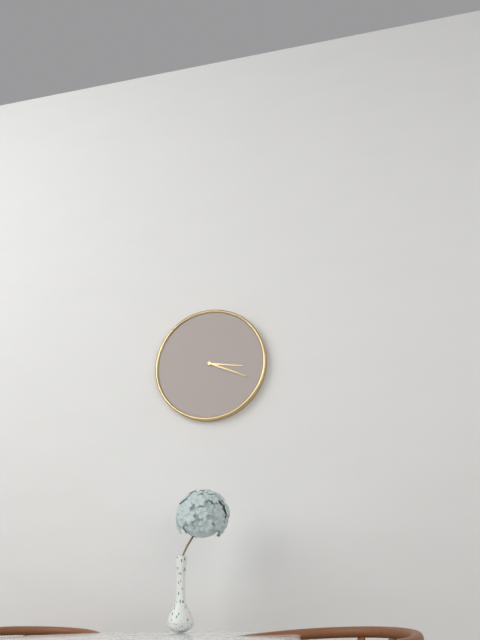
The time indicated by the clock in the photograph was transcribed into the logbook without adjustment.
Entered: 3:19
